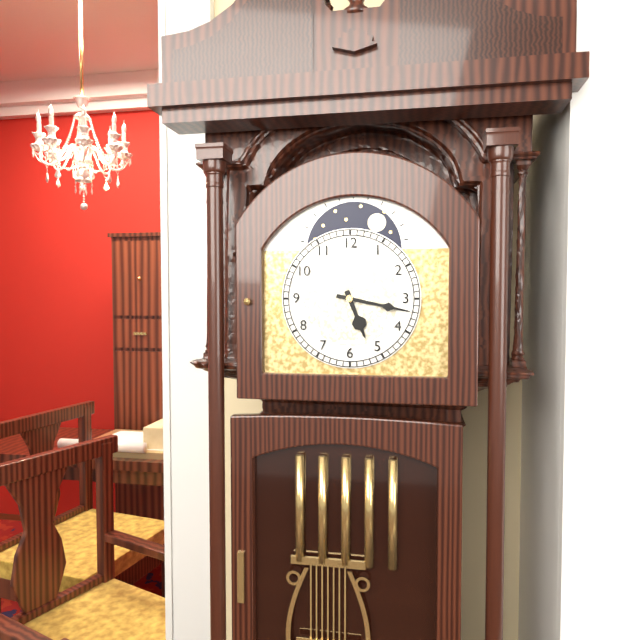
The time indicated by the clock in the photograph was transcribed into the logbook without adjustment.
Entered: 5:17
